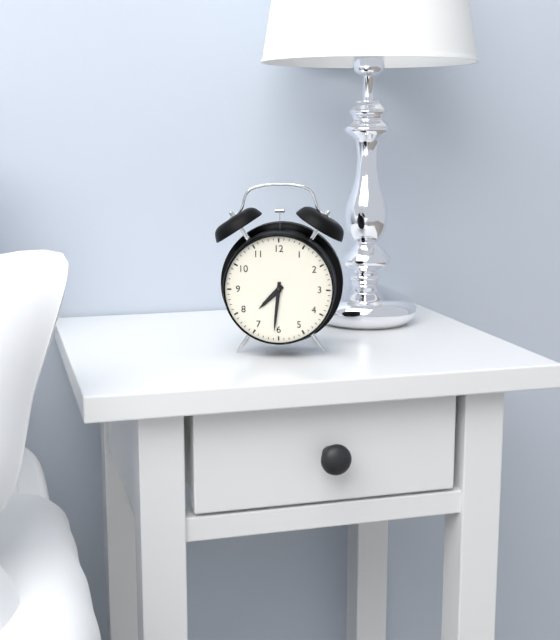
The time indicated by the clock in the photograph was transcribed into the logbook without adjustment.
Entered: 7:31
